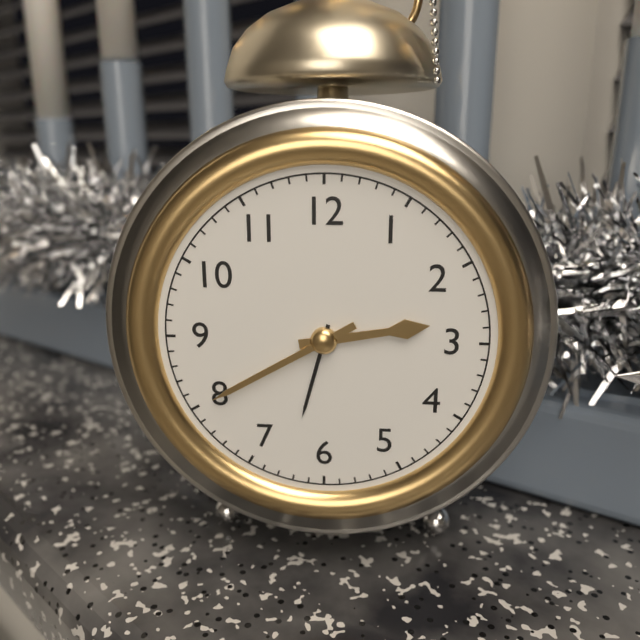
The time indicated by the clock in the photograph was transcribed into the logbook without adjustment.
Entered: 2:40
